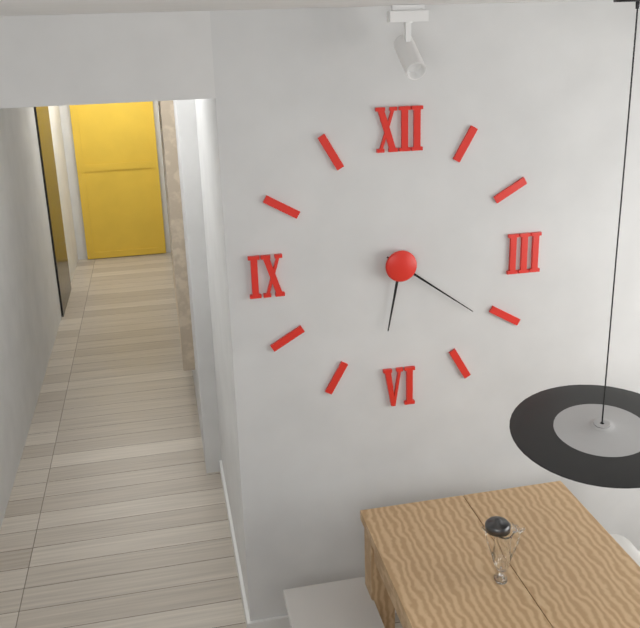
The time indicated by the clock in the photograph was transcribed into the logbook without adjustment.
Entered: 6:21
